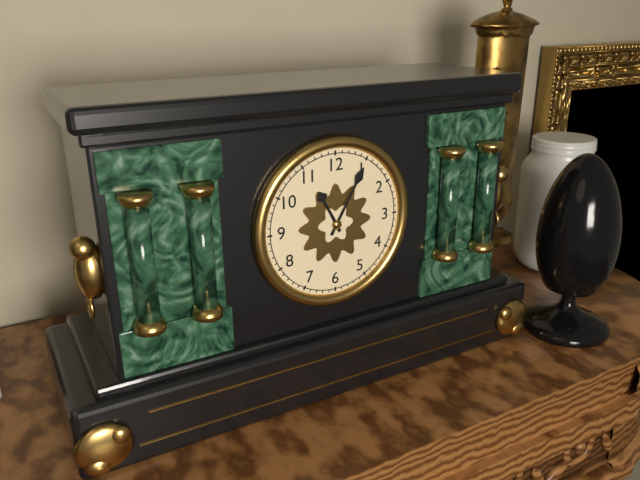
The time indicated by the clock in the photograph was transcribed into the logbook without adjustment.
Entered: 11:05
